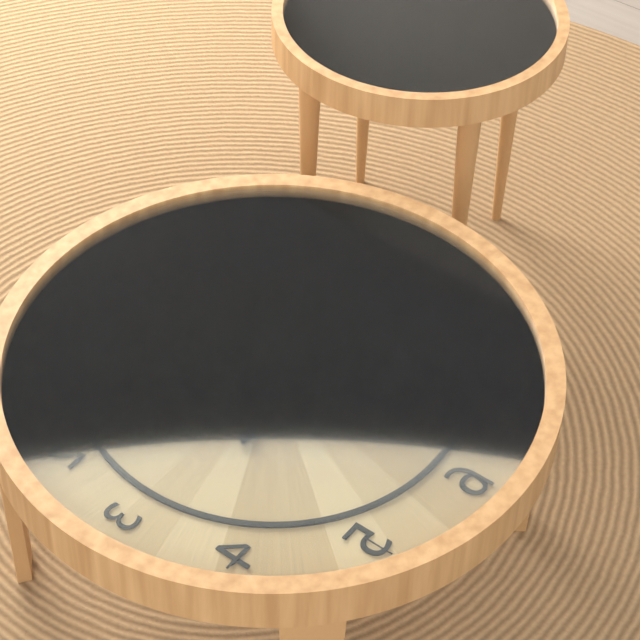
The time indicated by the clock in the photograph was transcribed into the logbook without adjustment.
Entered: 8:19
